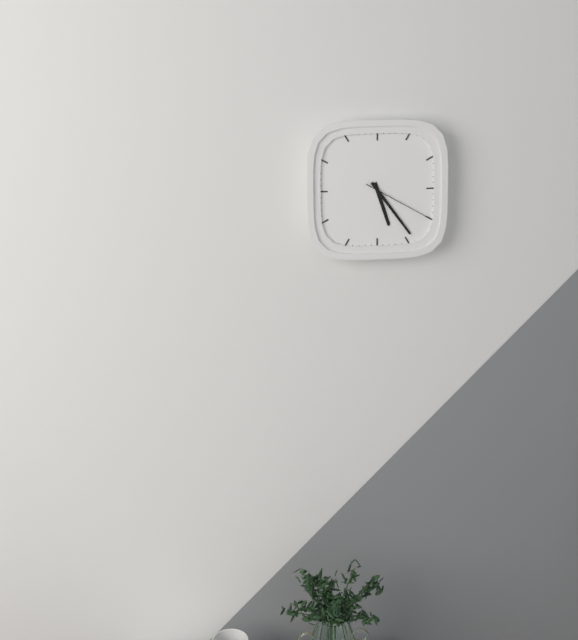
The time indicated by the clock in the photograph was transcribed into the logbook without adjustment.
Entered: 5:24:20
